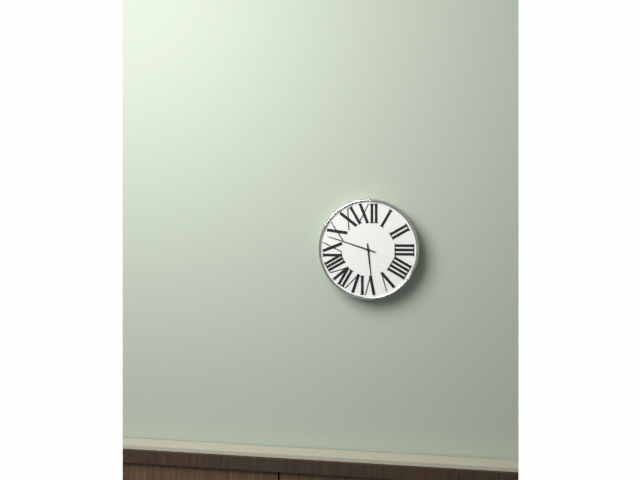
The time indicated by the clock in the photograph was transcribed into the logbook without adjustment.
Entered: 5:48
